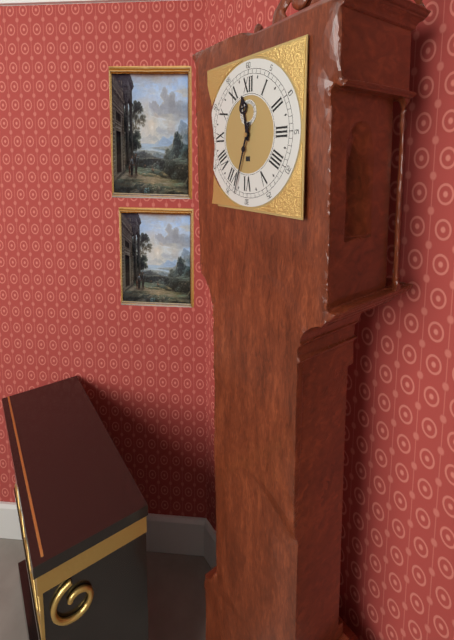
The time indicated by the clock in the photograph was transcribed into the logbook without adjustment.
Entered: 11:33
